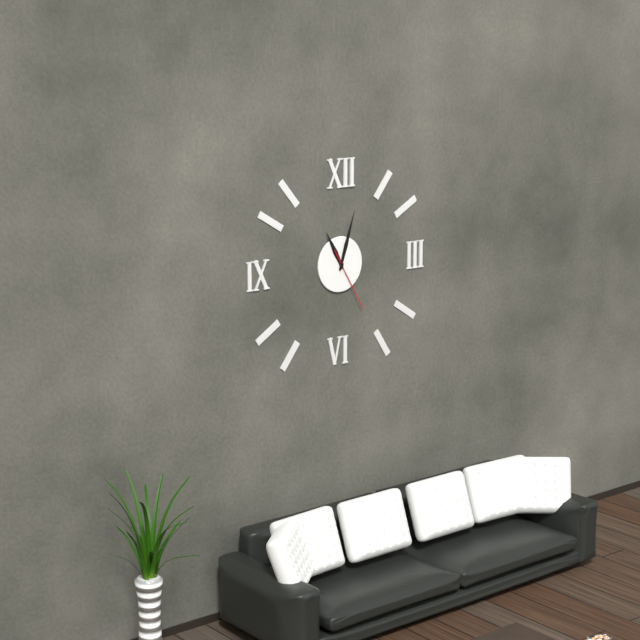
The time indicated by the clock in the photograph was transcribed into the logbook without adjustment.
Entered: 11:03:25
